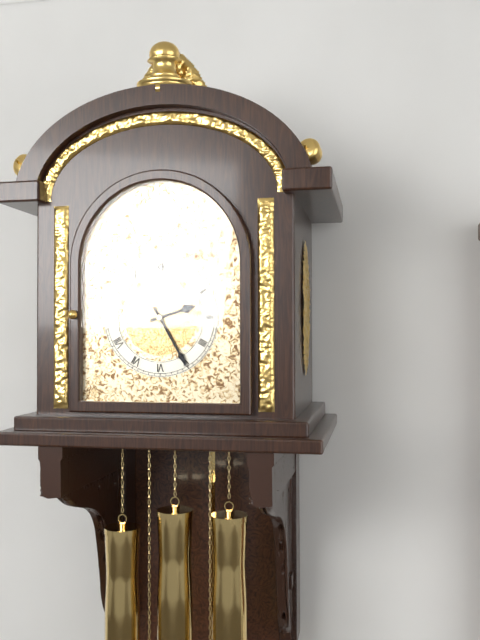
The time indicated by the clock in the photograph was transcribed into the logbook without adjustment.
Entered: 2:25
